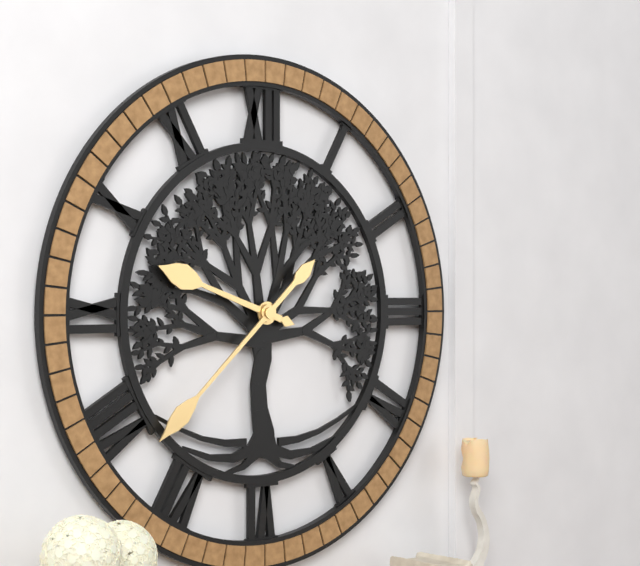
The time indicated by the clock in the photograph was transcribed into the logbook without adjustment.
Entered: 9:38
